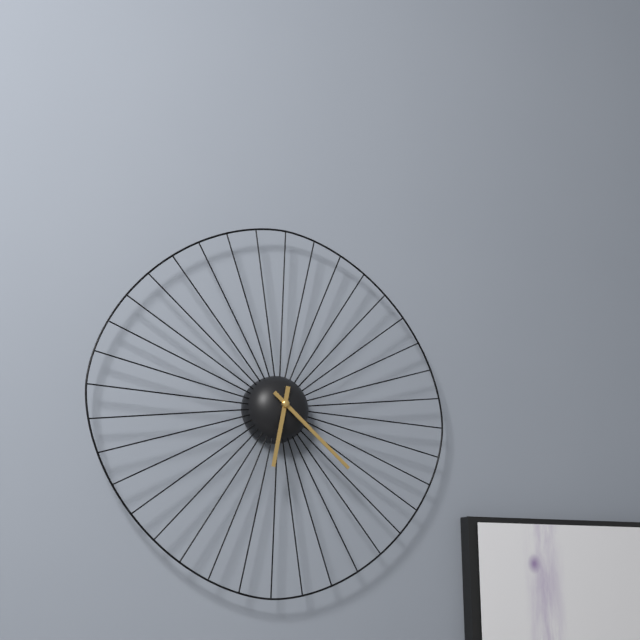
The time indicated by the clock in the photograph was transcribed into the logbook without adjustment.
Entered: 6:22
